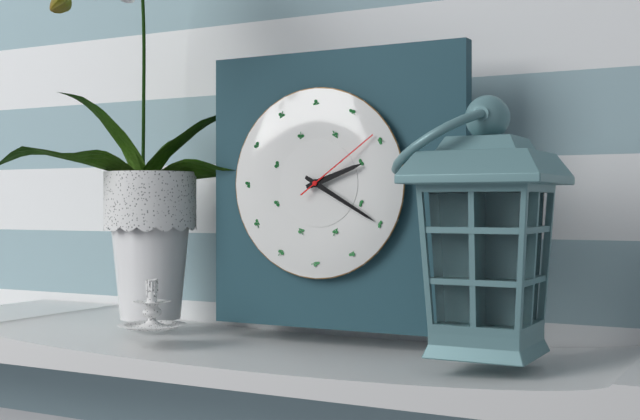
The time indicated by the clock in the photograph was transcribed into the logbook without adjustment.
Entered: 2:20:09
